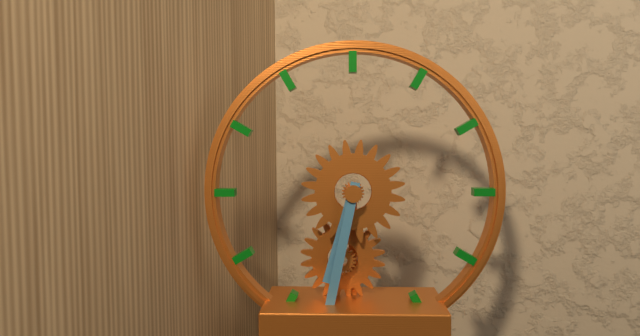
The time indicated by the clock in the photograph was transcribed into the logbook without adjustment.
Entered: 6:32
